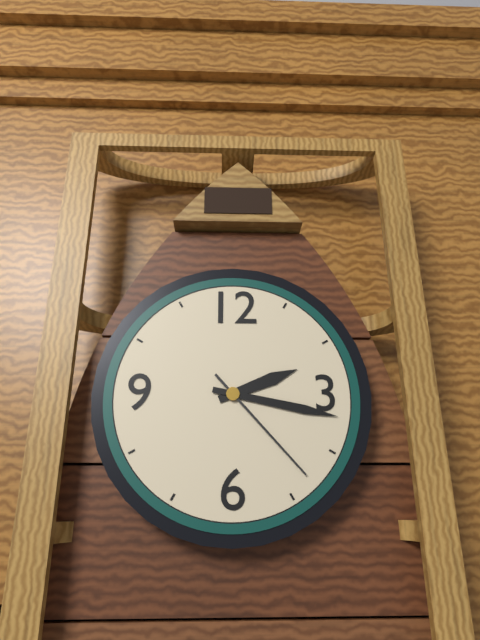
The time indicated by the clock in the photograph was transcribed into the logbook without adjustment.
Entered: 2:17:23
